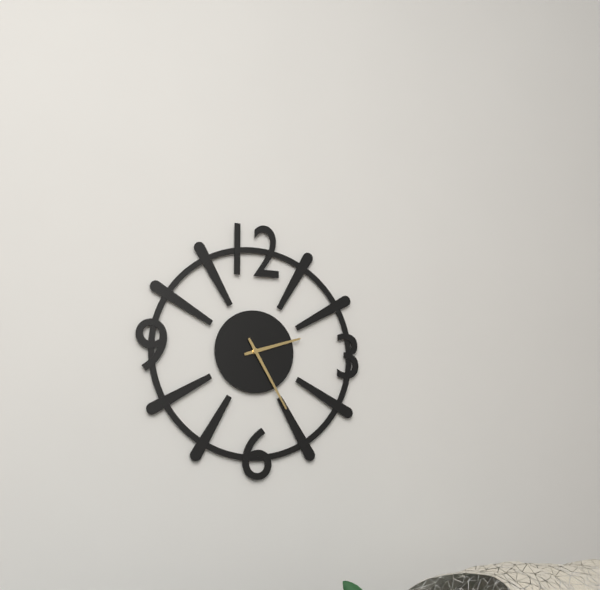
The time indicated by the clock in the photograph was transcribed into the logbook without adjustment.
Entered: 2:25
